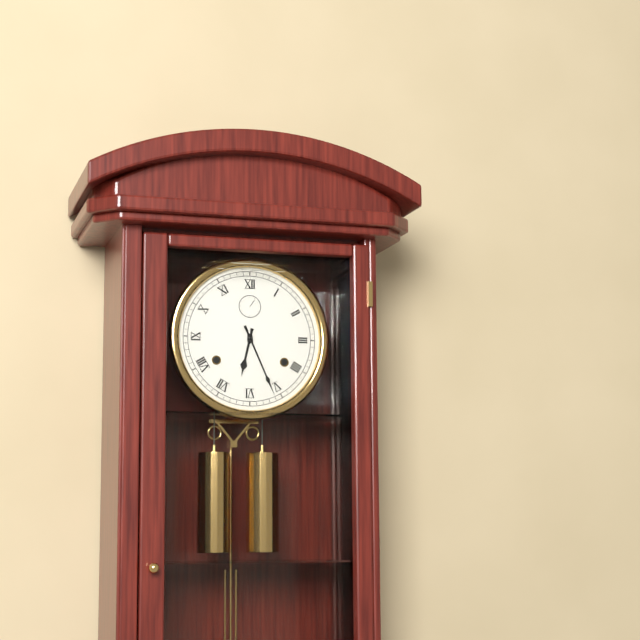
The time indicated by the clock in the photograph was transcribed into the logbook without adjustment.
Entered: 6:26
